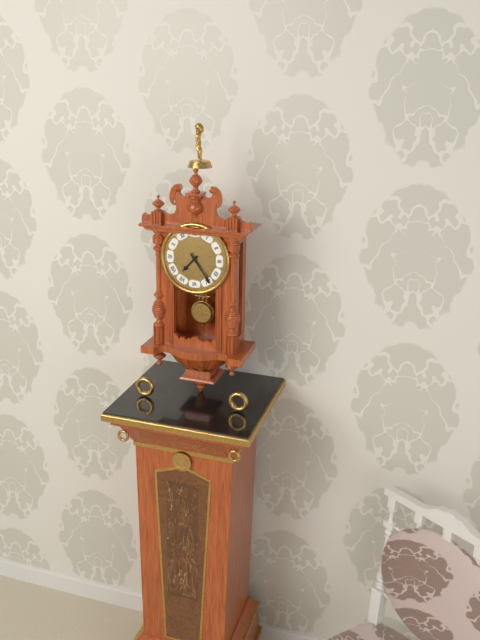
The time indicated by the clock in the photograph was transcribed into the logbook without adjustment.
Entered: 7:24
